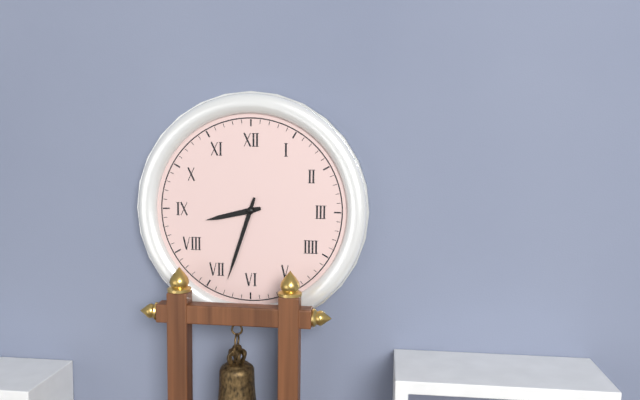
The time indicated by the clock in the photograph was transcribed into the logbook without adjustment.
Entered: 8:33
